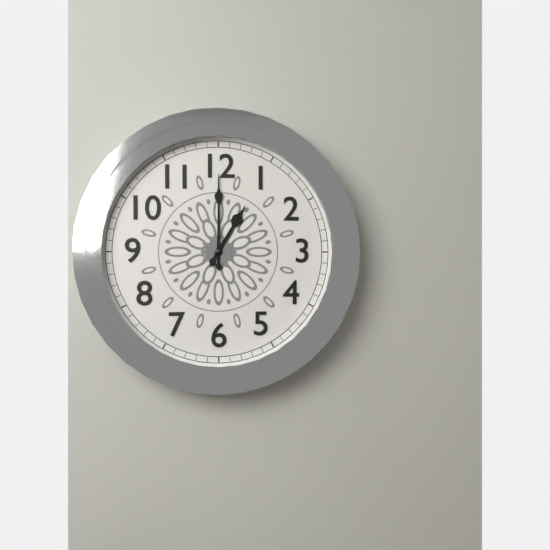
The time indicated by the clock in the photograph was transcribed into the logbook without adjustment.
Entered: 1:00
